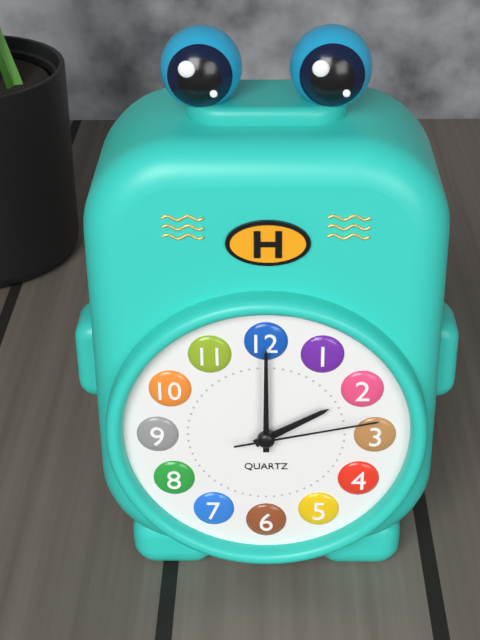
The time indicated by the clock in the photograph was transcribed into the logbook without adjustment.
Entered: 2:00:13
